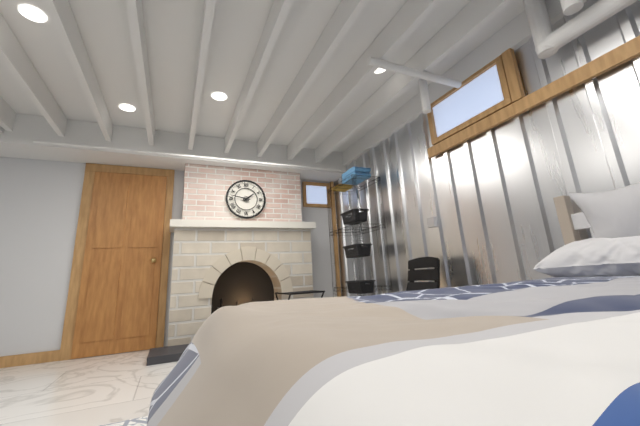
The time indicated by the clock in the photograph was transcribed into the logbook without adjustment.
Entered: 1:47
